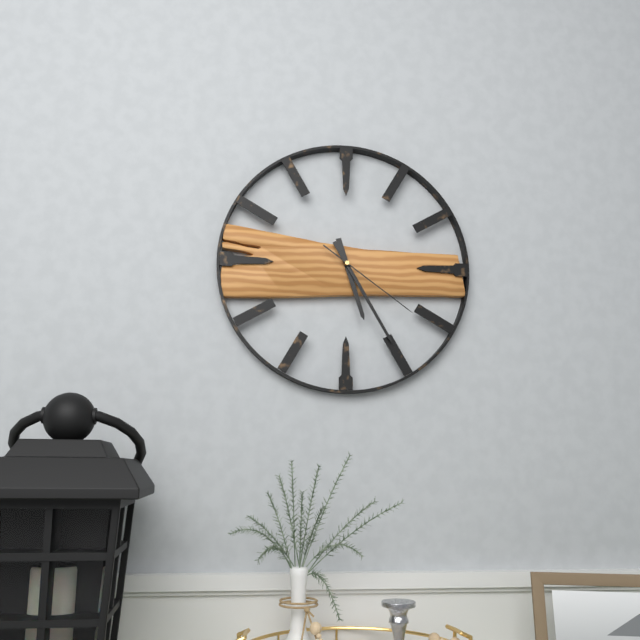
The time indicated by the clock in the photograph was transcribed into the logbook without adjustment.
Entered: 5:25:21
